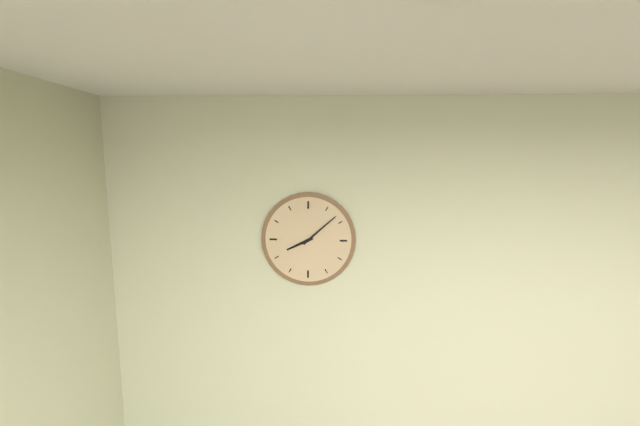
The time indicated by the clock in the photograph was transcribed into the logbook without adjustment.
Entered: 8:08
